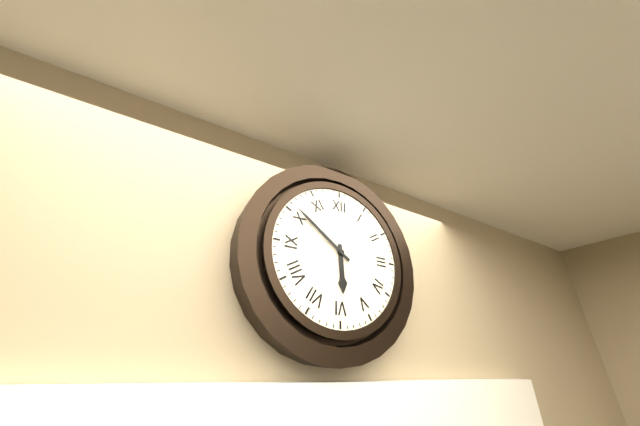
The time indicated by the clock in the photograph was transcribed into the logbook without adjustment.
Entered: 5:51
